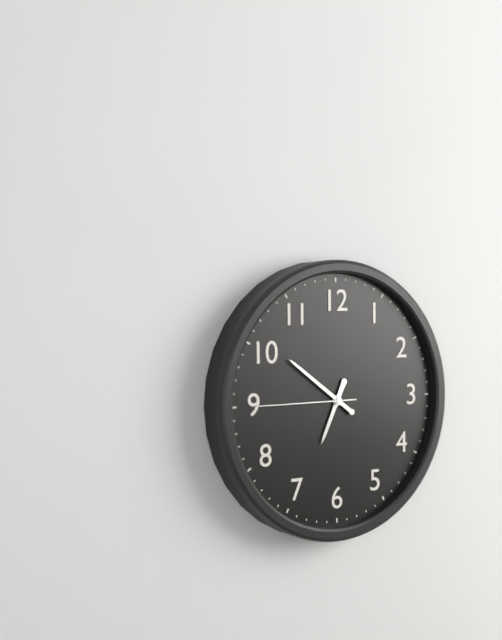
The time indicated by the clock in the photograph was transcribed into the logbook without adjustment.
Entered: 6:51:45
